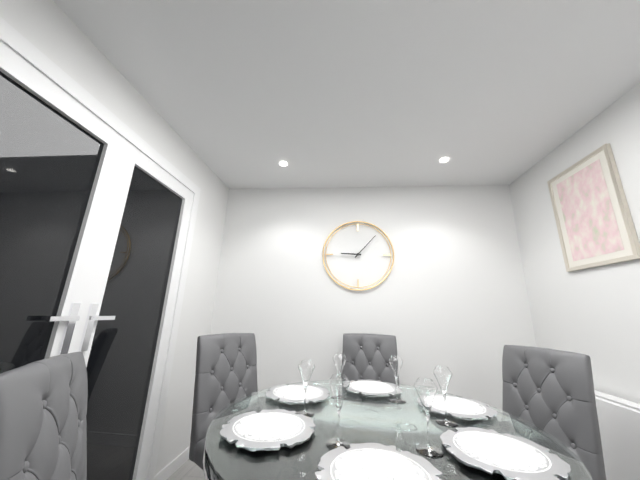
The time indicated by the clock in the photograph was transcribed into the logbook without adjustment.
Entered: 9:07
